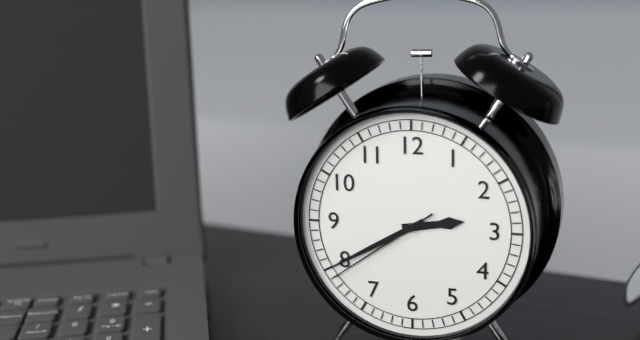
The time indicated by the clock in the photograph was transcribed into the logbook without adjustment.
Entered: 2:40:39
